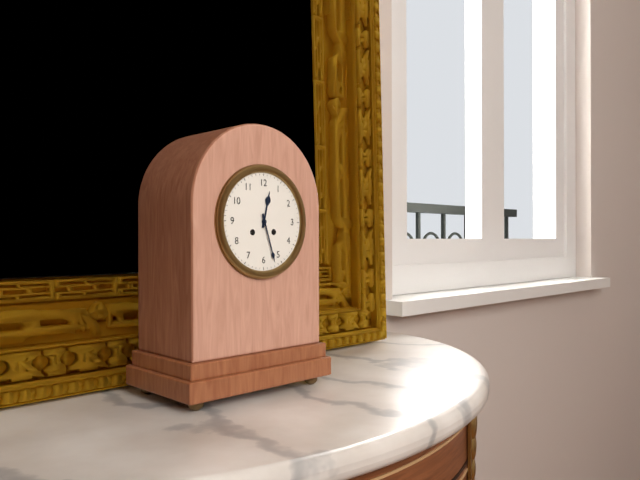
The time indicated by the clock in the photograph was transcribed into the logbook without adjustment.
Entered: 12:27
